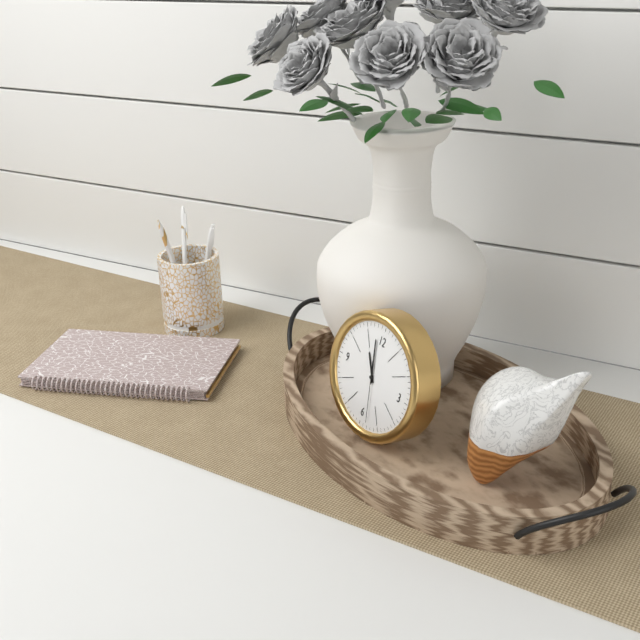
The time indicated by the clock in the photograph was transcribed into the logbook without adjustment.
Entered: 10:58:28
